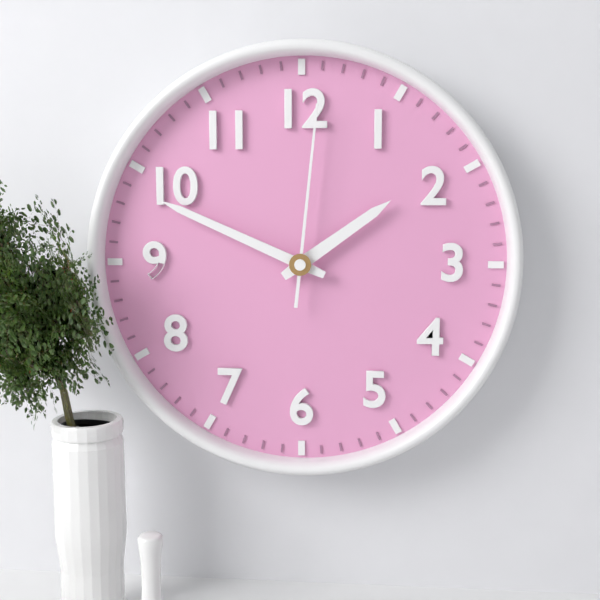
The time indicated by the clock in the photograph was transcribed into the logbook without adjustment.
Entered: 1:49:01
